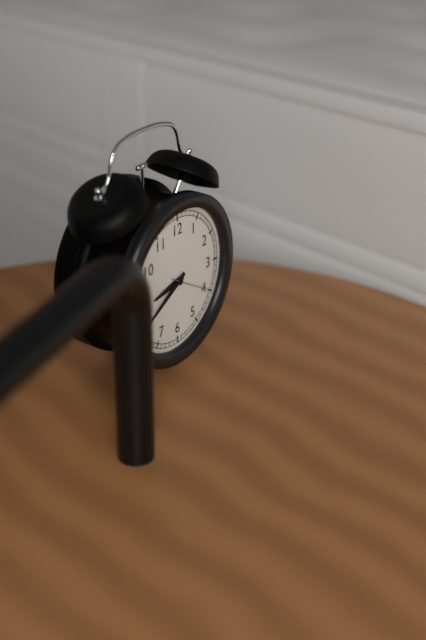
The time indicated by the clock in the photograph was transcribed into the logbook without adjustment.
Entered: 8:40
